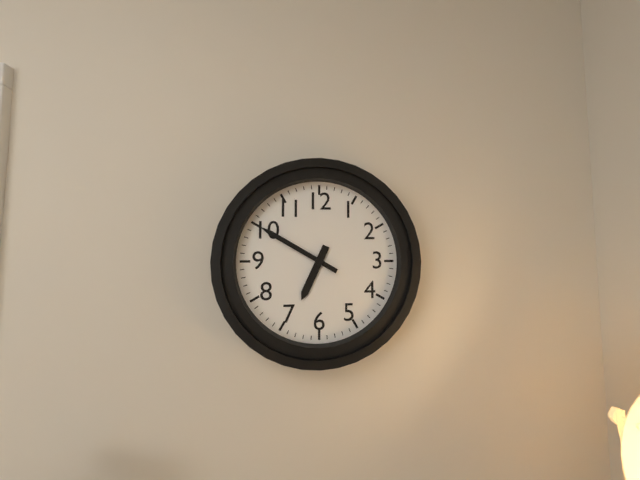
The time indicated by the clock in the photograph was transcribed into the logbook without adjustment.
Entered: 6:50
